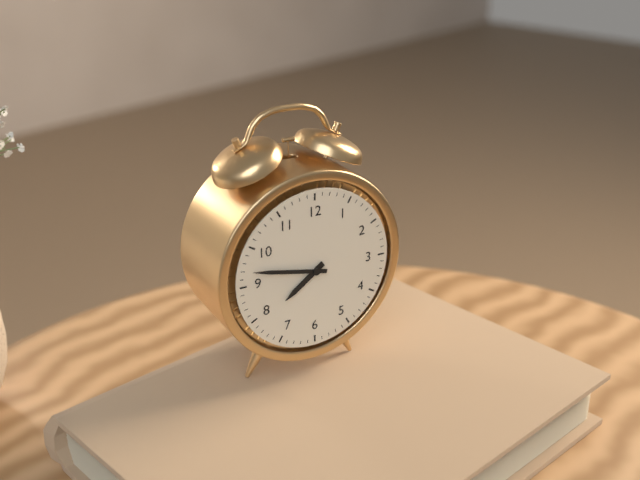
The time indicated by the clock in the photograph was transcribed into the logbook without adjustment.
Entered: 7:47
